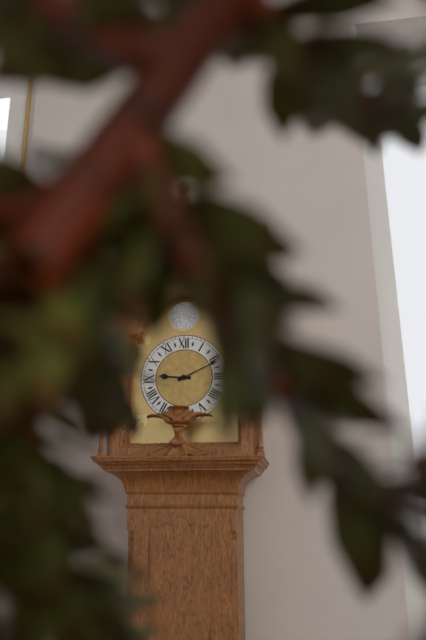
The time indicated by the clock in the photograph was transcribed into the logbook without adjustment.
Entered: 9:11
